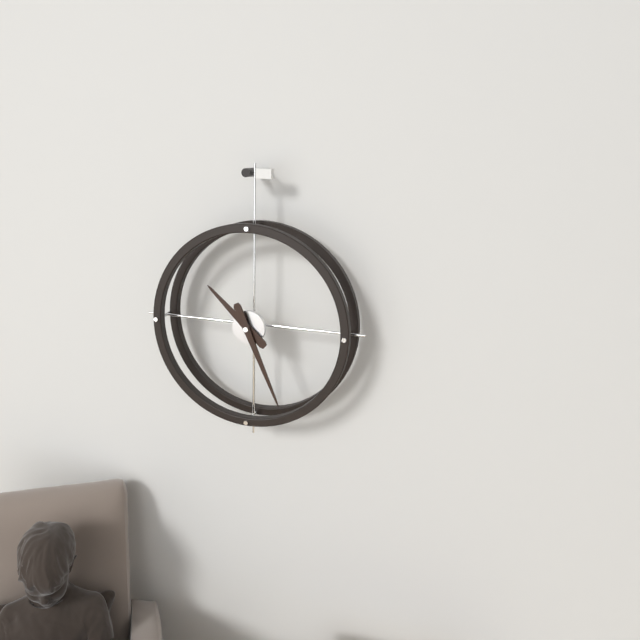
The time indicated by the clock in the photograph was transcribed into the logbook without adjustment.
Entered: 10:26
